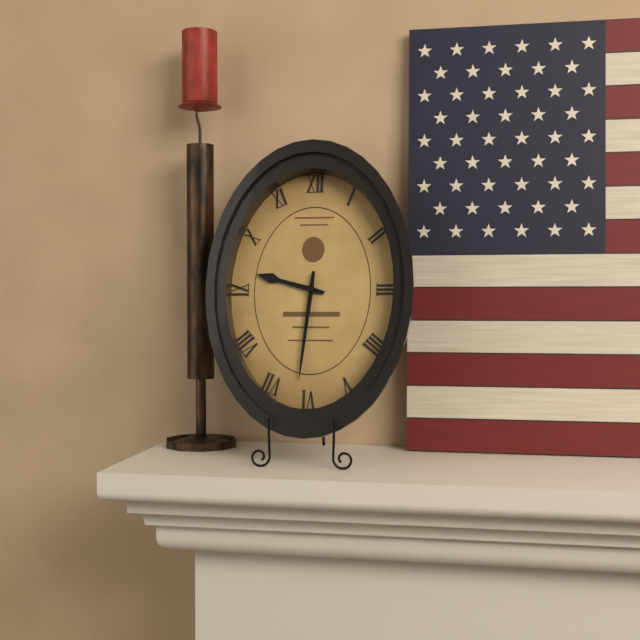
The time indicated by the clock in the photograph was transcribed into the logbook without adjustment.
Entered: 9:31
